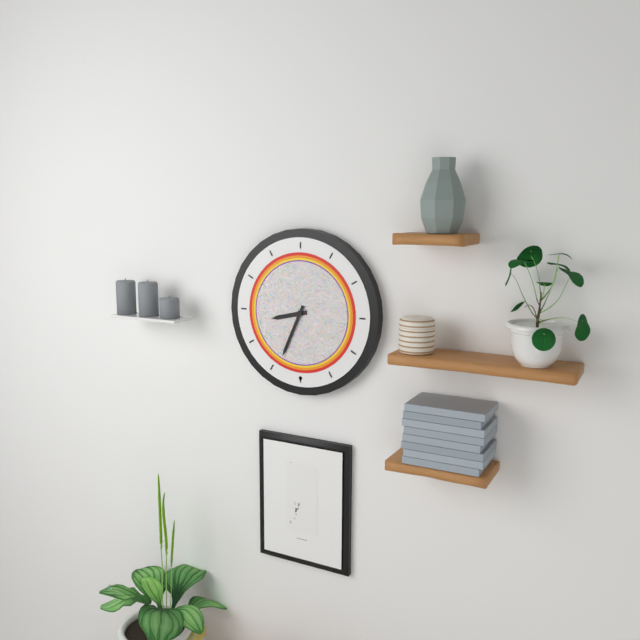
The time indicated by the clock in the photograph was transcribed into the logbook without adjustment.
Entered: 8:34
